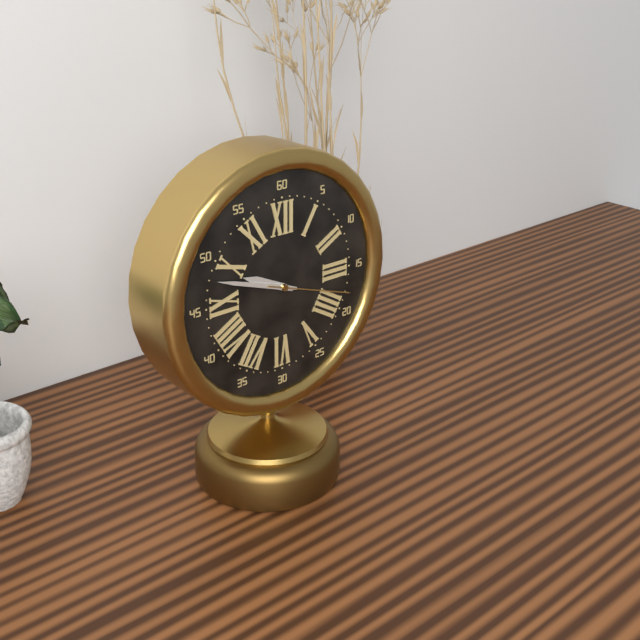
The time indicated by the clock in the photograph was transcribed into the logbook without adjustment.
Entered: 9:48:18
